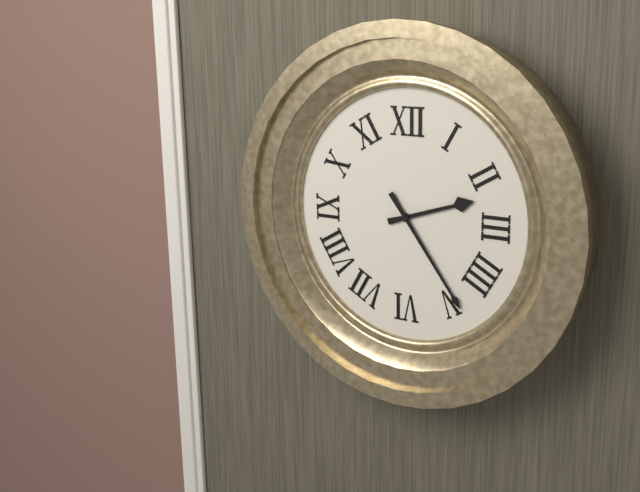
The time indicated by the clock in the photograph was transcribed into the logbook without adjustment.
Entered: 2:24
